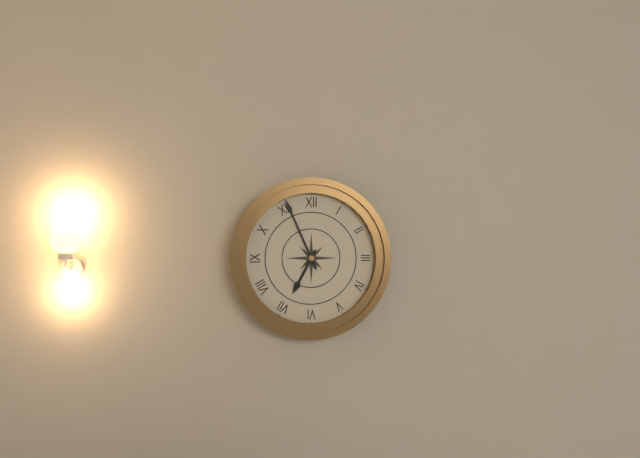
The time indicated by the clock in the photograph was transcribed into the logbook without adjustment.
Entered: 6:56
